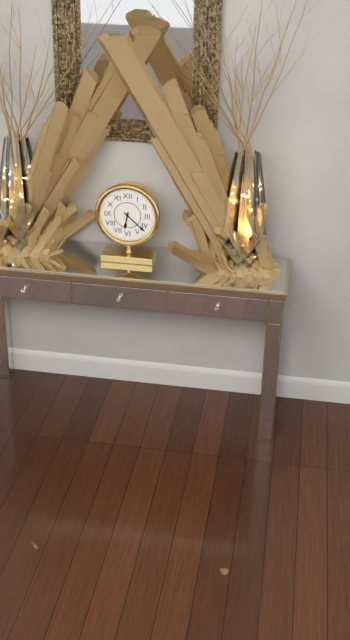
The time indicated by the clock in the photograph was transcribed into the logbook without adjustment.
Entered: 6:22
